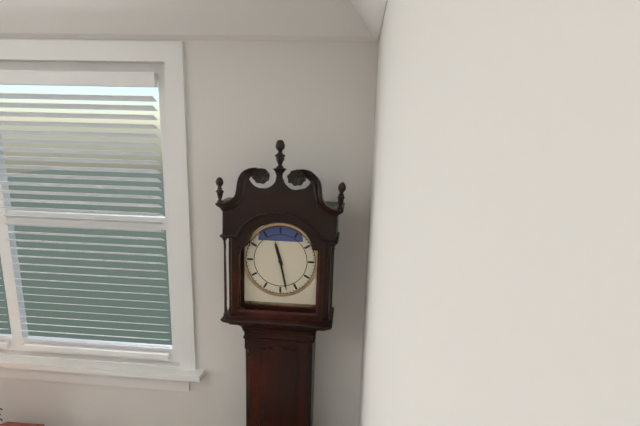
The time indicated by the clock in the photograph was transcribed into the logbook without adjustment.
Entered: 11:28
